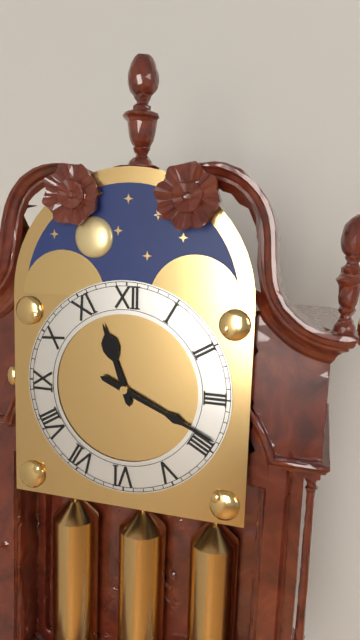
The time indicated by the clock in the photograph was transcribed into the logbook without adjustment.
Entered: 11:19
